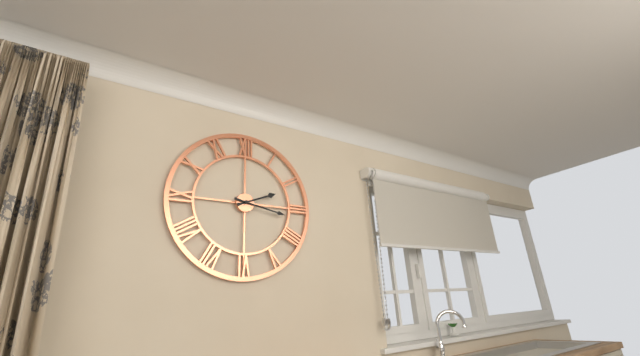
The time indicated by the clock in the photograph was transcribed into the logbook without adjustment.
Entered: 2:17
